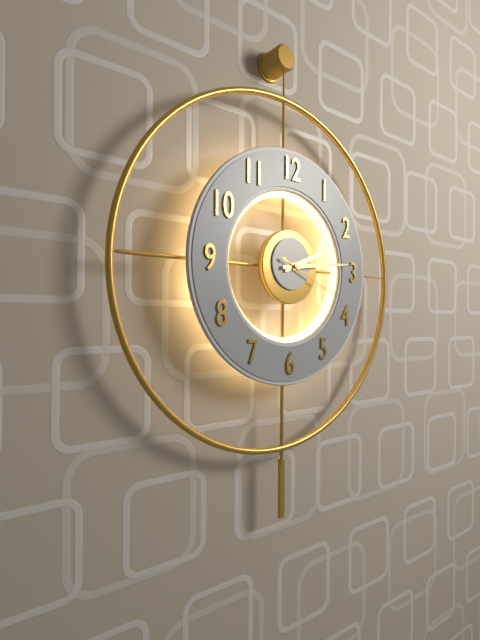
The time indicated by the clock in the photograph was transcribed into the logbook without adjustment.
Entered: 2:14:19
